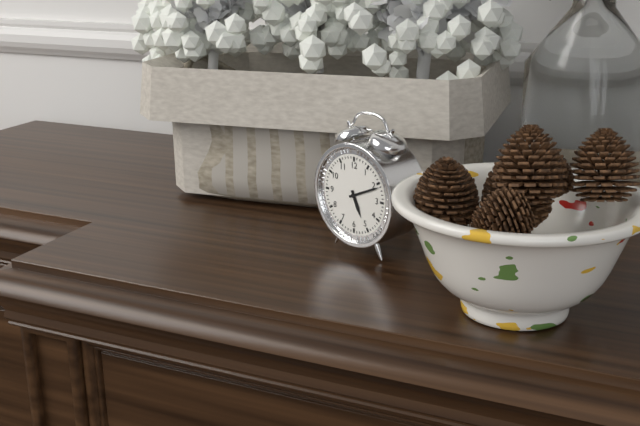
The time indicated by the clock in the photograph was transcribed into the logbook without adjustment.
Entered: 5:11
